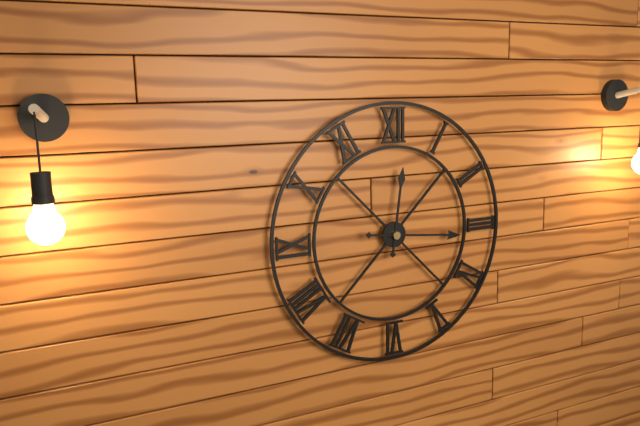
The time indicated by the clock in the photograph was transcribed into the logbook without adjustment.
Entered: 12:16
